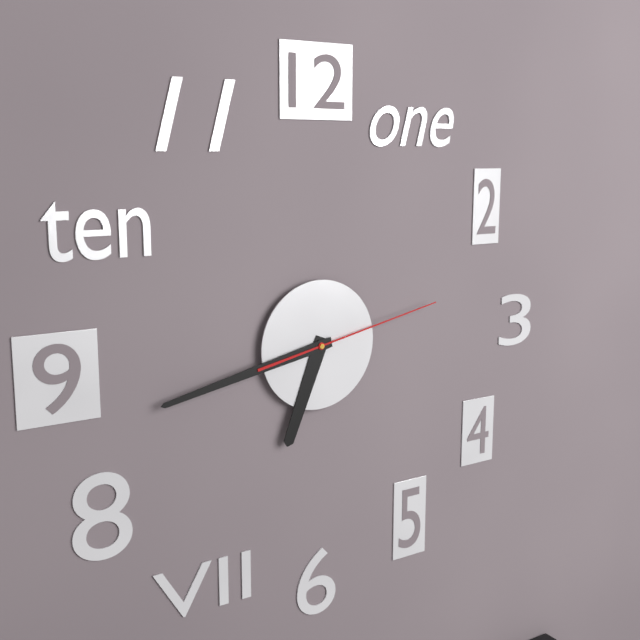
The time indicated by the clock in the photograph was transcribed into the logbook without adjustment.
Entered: 6:43:13
